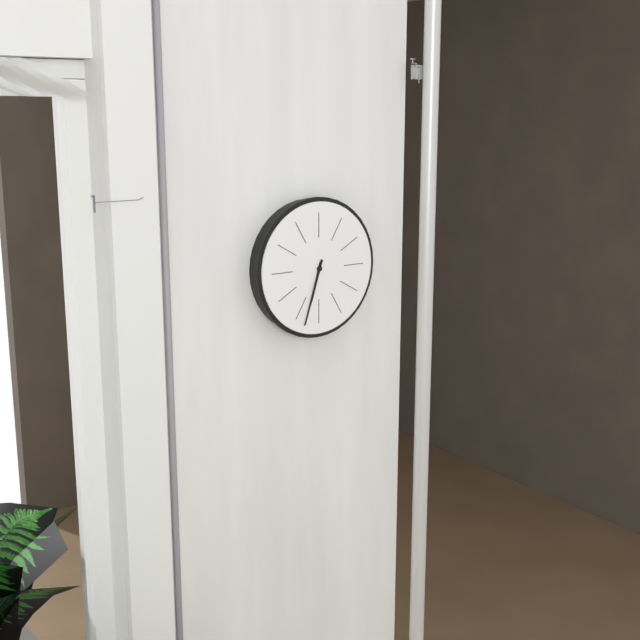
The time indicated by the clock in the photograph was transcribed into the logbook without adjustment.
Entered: 6:33
